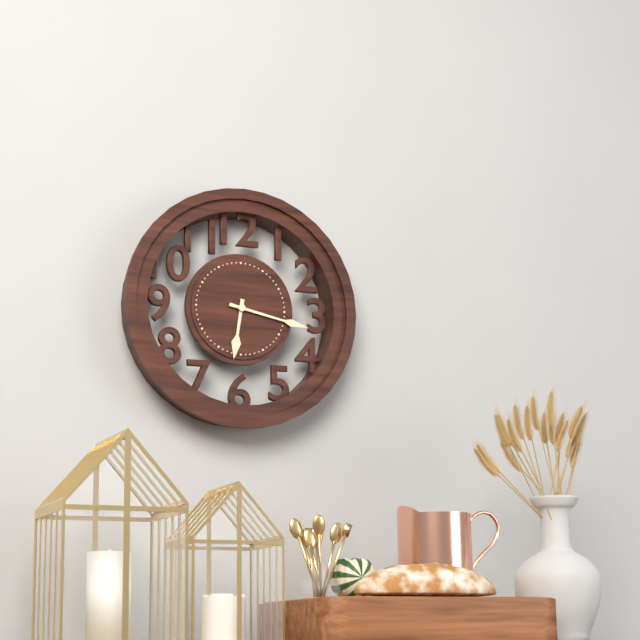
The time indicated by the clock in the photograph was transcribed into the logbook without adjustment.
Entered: 6:17
